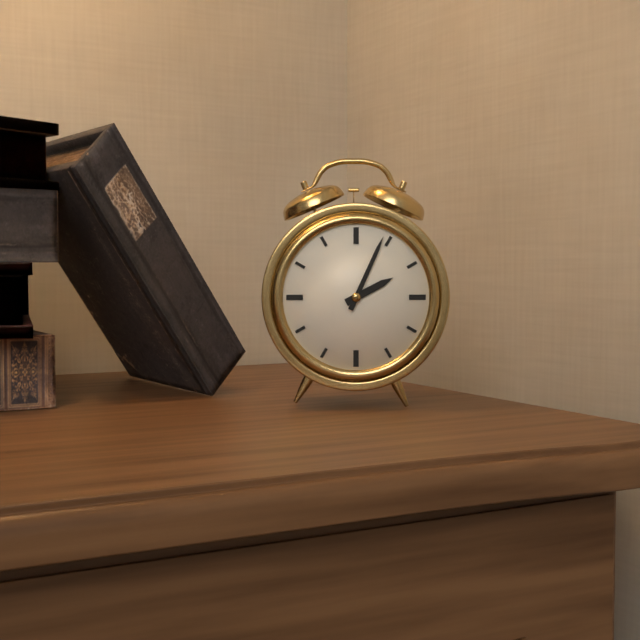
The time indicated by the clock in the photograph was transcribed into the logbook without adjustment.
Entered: 2:04
